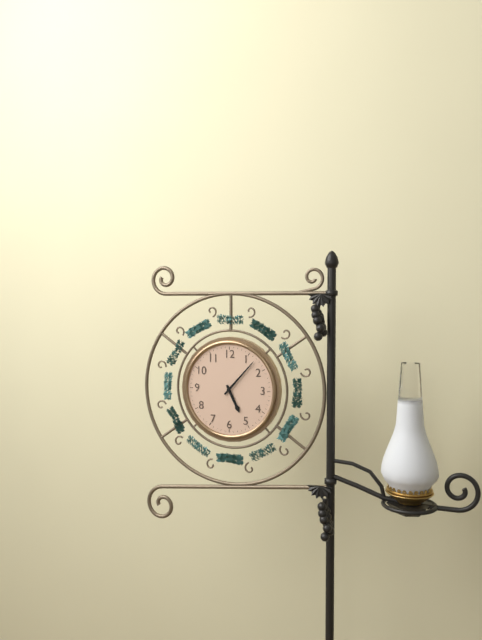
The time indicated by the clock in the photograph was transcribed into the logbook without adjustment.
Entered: 5:07
